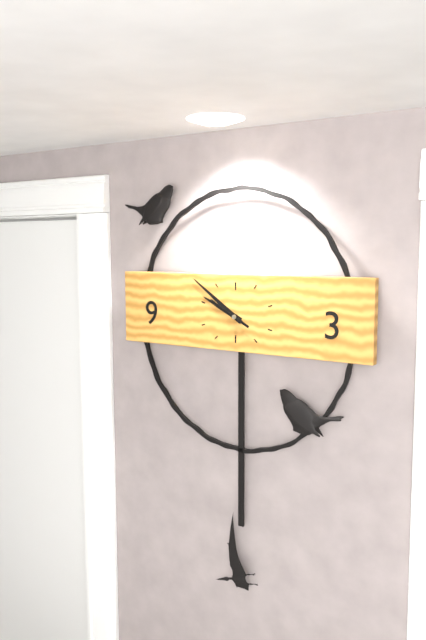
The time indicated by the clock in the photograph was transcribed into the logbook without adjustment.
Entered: 9:51
